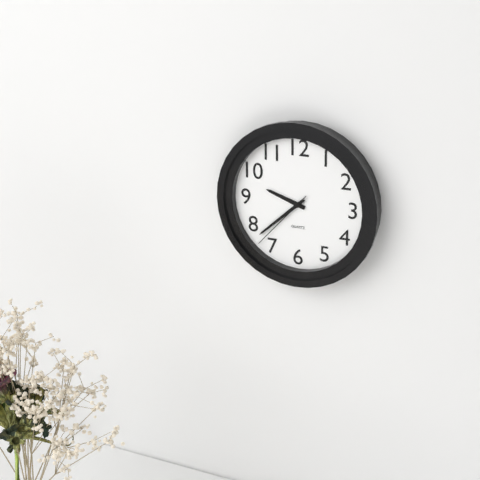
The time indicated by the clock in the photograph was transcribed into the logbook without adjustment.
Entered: 9:38:37
